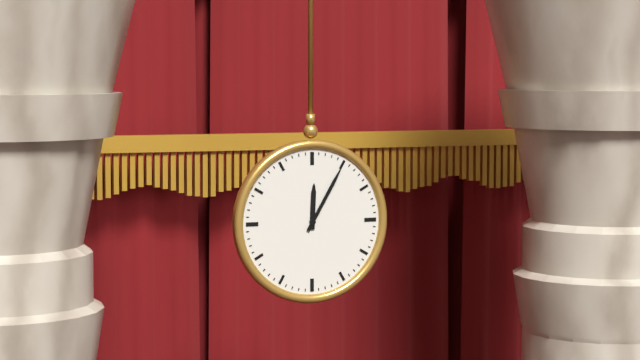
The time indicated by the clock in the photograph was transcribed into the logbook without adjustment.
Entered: 12:05
